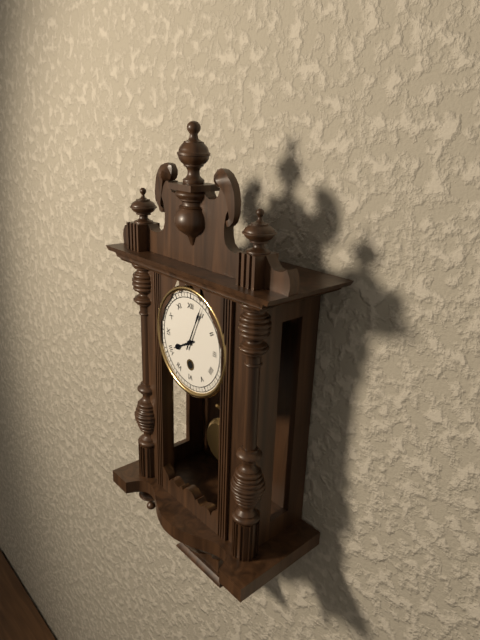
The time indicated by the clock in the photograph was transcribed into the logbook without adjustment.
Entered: 8:04
